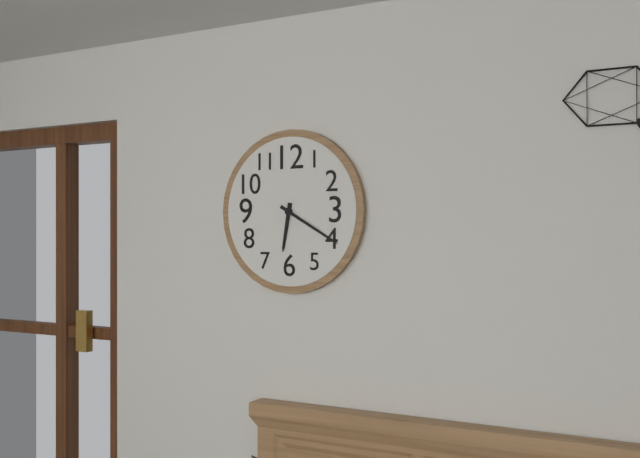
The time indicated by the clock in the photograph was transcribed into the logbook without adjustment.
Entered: 6:20
